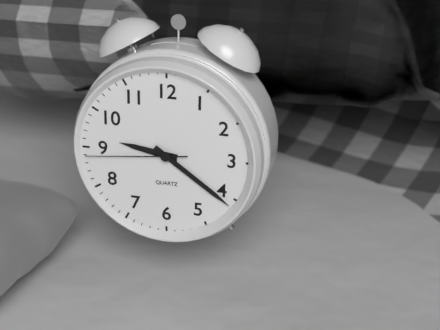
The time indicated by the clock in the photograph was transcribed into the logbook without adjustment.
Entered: 9:21:44
